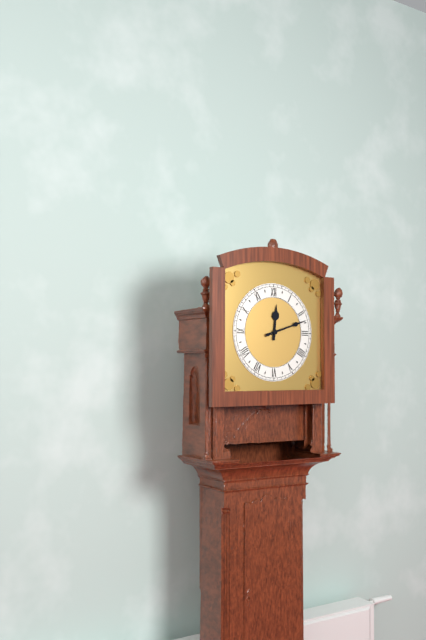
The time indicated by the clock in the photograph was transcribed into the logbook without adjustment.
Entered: 12:12
